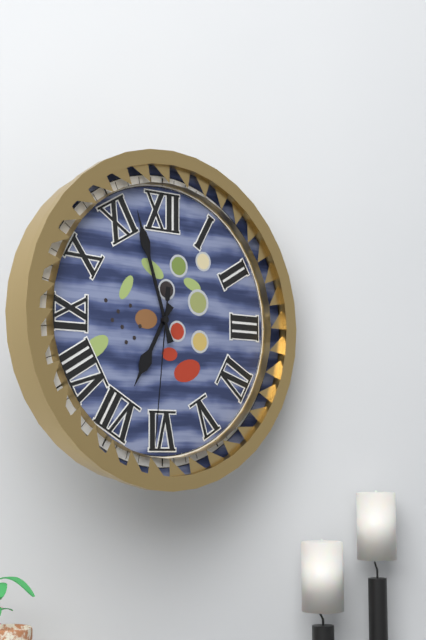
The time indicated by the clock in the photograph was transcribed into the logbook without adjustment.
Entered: 6:57:31
